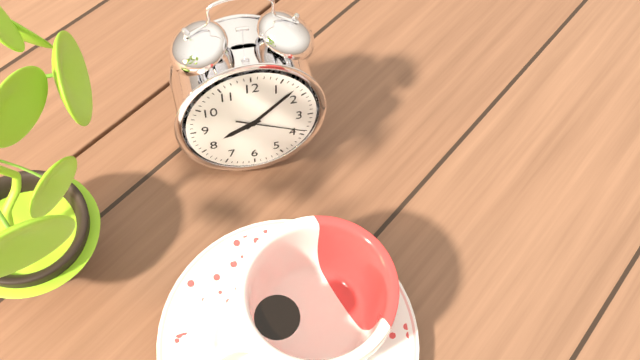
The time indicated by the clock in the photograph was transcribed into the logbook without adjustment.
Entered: 8:08:19
